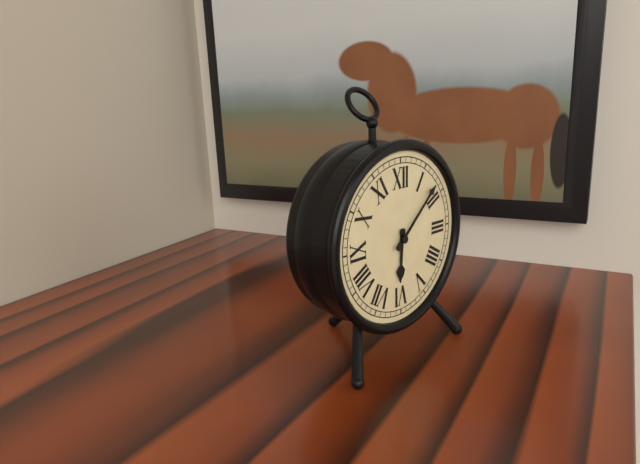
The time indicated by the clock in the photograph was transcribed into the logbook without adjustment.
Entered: 6:08
